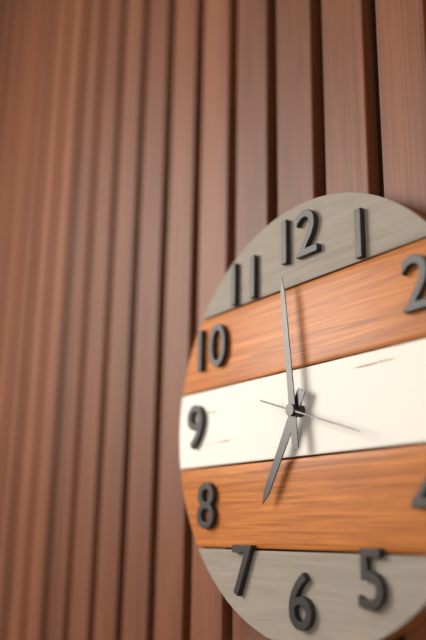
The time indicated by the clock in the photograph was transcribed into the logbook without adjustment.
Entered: 6:59:18
